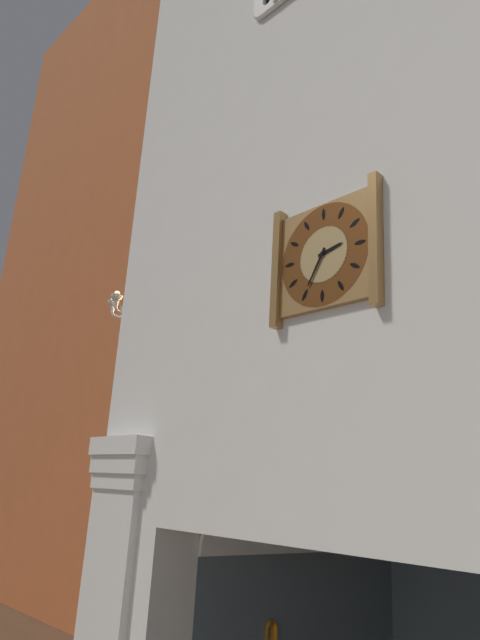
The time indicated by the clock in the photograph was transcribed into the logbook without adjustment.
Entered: 2:35
